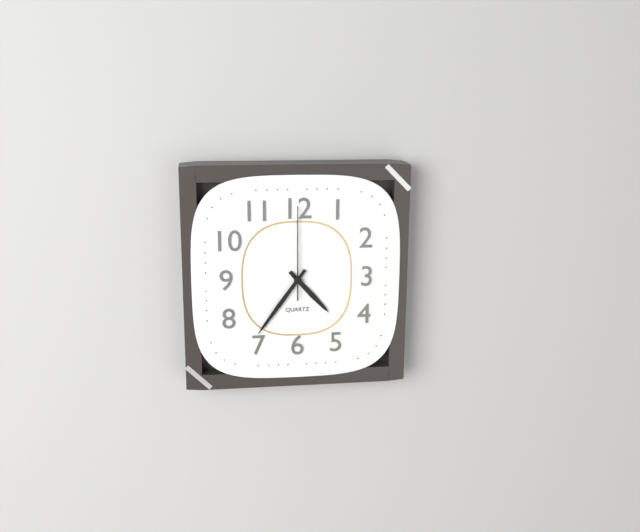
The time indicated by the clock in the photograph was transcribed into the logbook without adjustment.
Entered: 4:36:00
